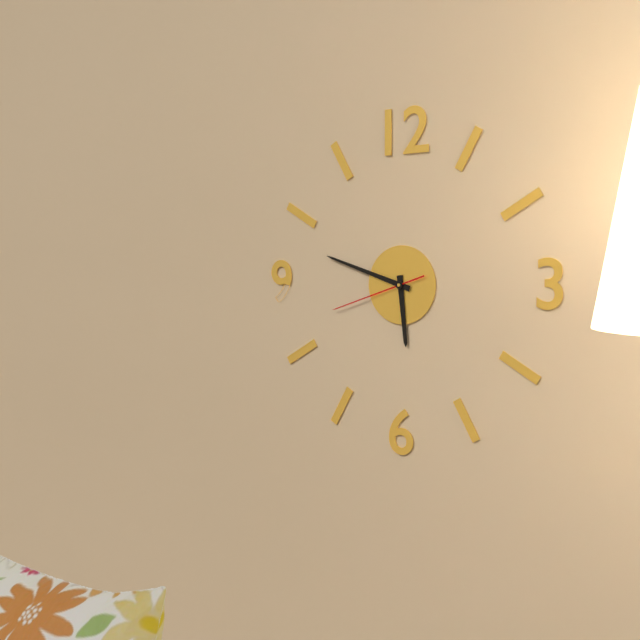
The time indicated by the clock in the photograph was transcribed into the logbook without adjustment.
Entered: 5:48:42
